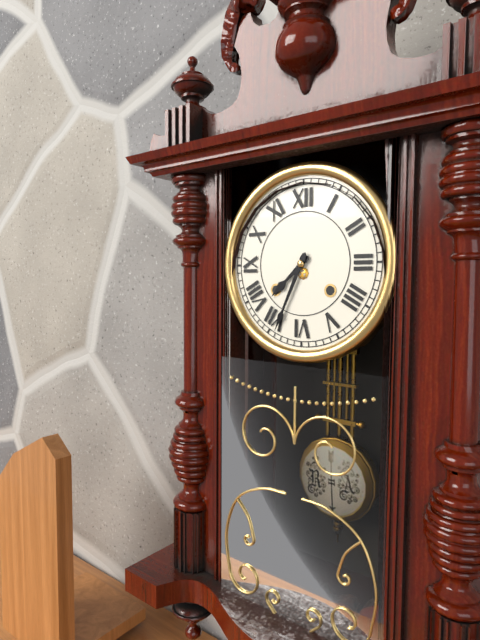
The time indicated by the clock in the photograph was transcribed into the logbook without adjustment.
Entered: 7:34
